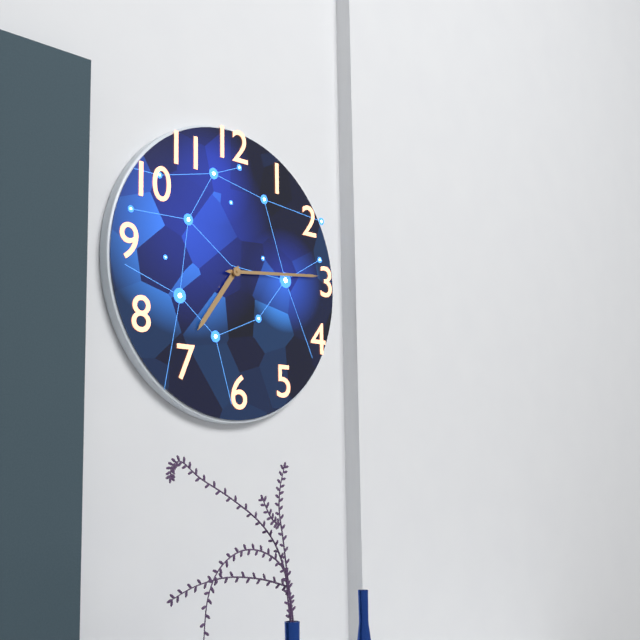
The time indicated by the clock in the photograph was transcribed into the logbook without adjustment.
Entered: 7:14
